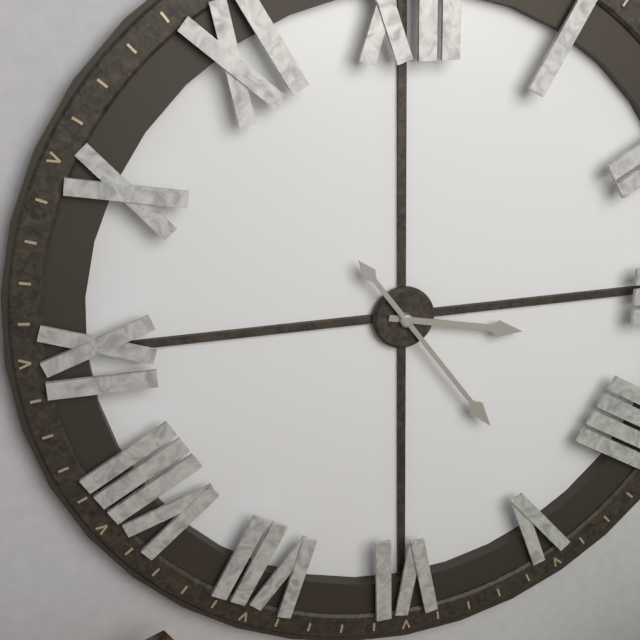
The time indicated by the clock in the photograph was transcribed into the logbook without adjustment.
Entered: 3:24
